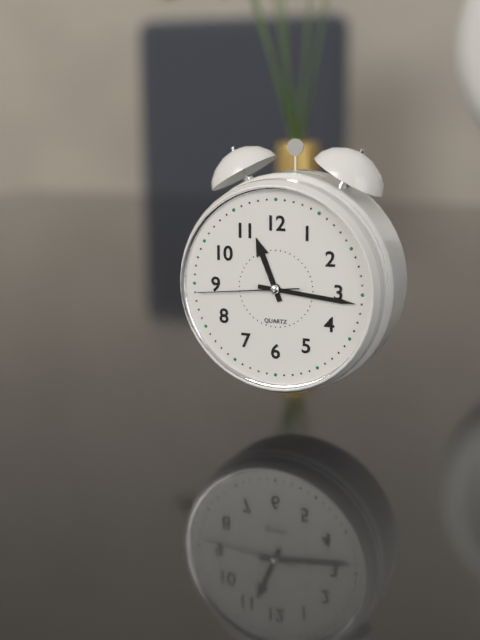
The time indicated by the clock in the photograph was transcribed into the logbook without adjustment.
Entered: 11:16:44
